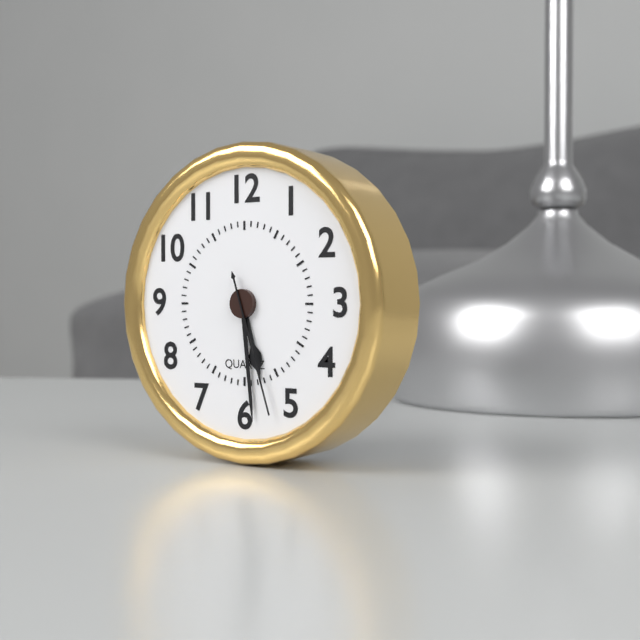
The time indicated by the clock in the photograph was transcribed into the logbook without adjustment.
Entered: 5:29:27
